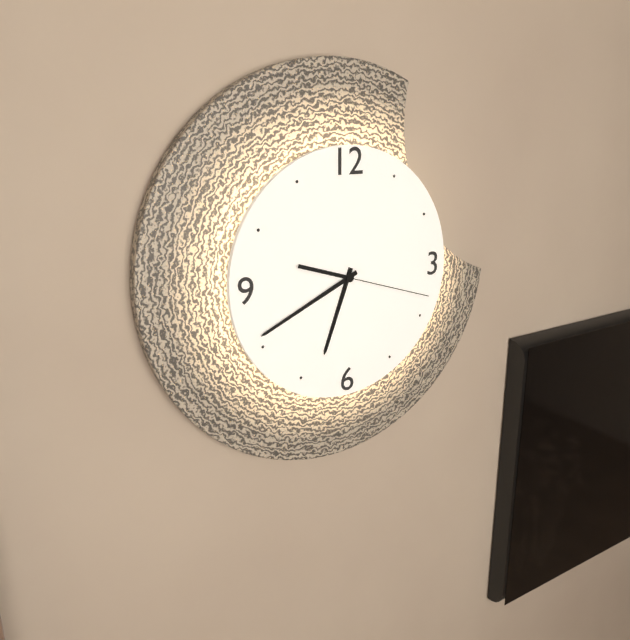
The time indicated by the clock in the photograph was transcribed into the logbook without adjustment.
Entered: 6:41:18
